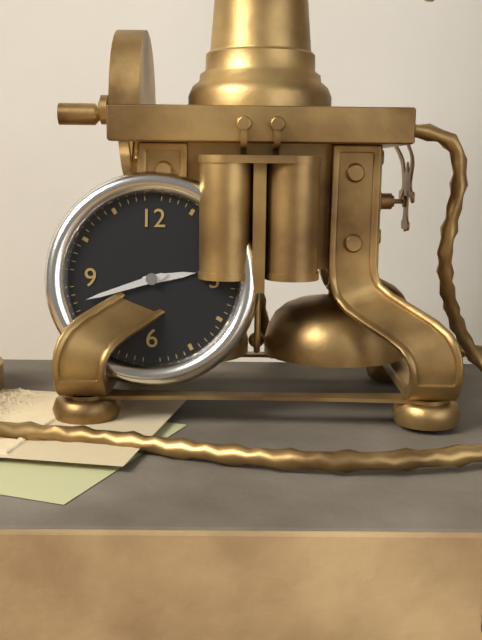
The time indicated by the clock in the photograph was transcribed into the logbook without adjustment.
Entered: 2:42
